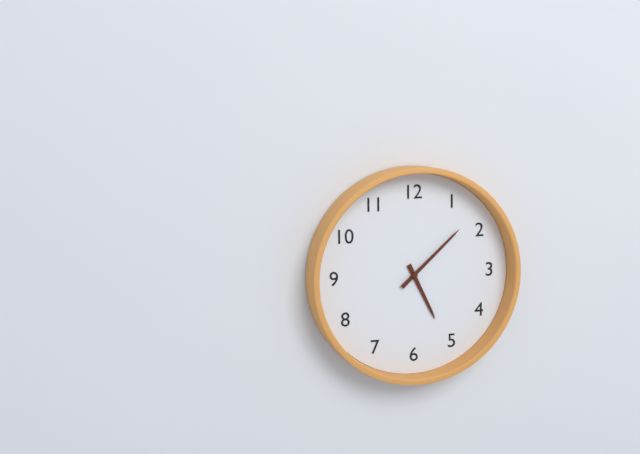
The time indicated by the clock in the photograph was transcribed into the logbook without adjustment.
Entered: 5:08
